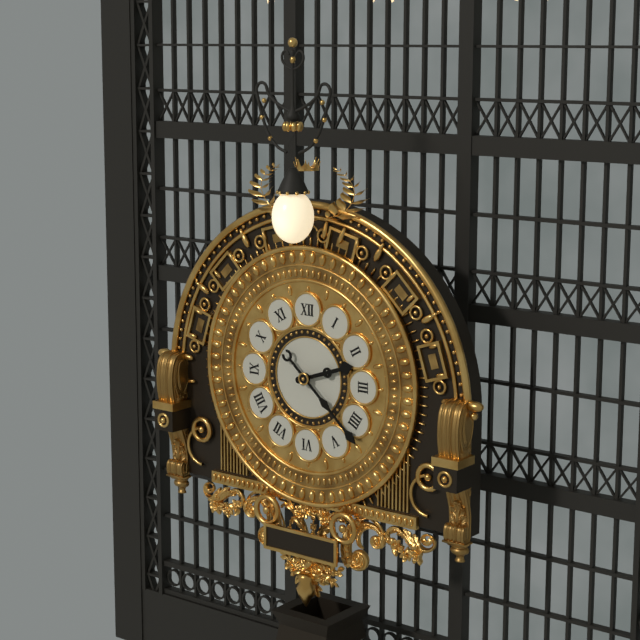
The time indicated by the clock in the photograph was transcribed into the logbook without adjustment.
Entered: 2:22
